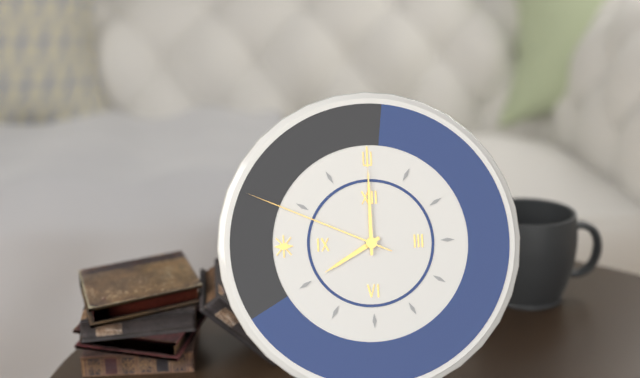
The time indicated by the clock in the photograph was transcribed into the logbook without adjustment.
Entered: 8:00:49
